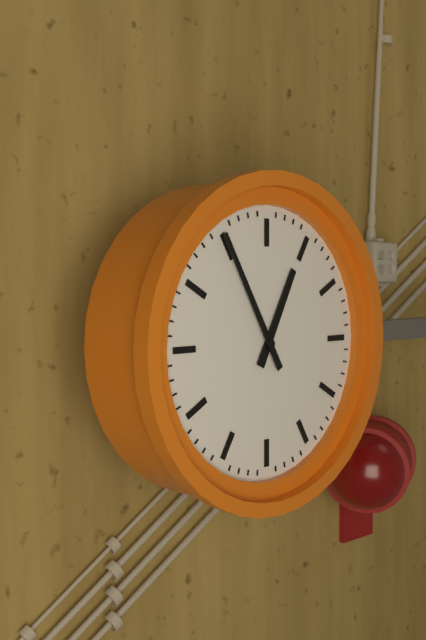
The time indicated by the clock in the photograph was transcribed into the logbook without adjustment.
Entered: 12:55
